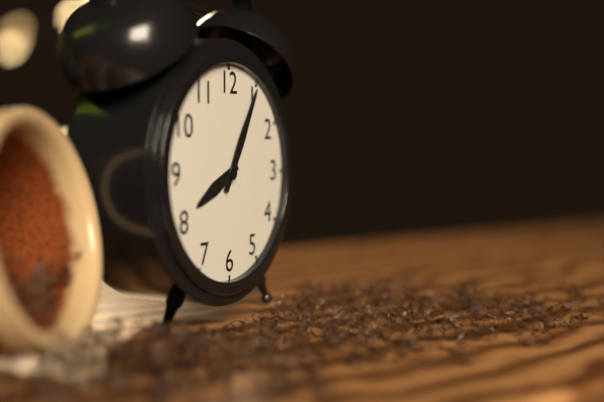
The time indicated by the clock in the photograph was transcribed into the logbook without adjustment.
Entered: 8:05
